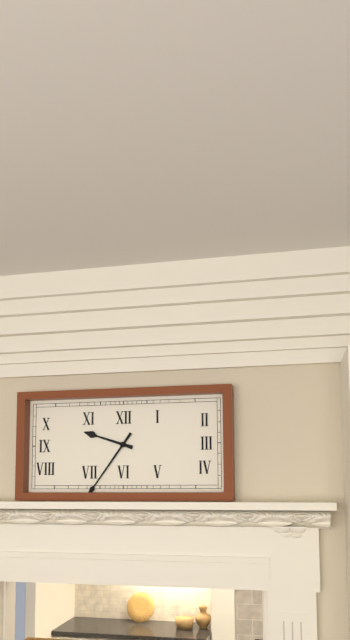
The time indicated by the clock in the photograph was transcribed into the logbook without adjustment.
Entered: 9:36
